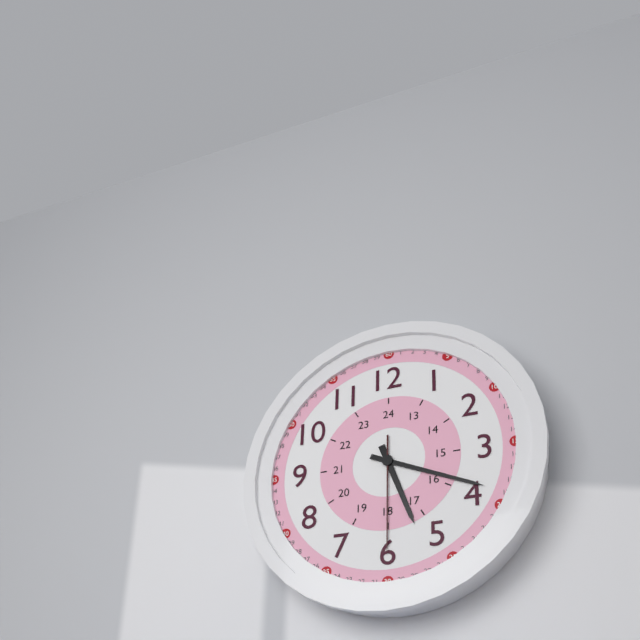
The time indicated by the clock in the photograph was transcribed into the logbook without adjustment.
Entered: 5:19:30
